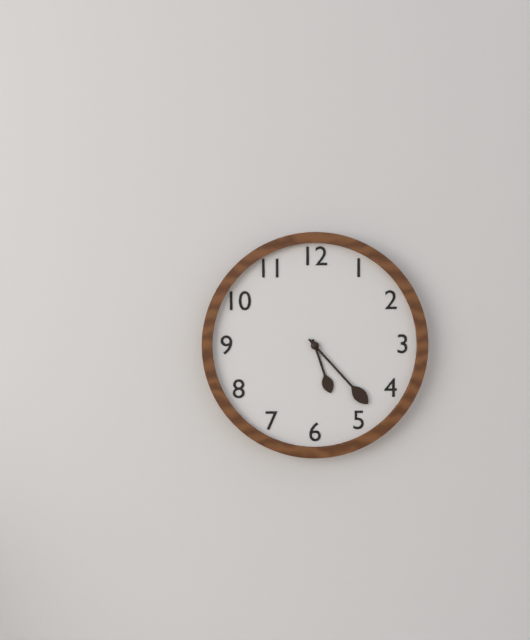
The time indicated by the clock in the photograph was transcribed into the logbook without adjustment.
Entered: 5:23
